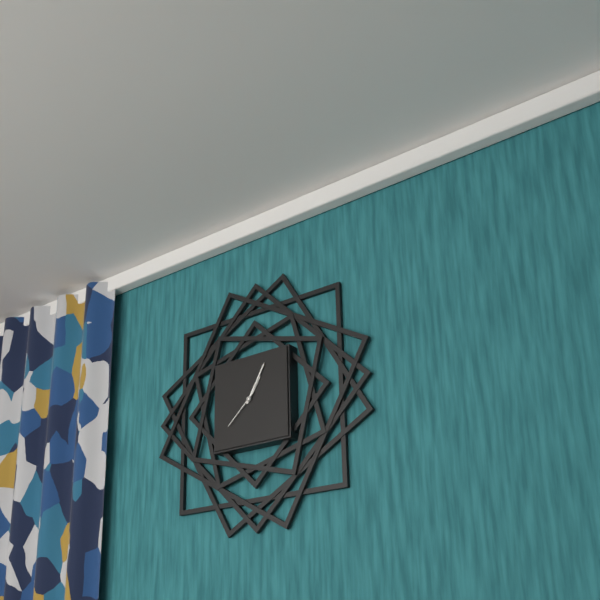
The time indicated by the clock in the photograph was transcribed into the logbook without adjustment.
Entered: 1:05
